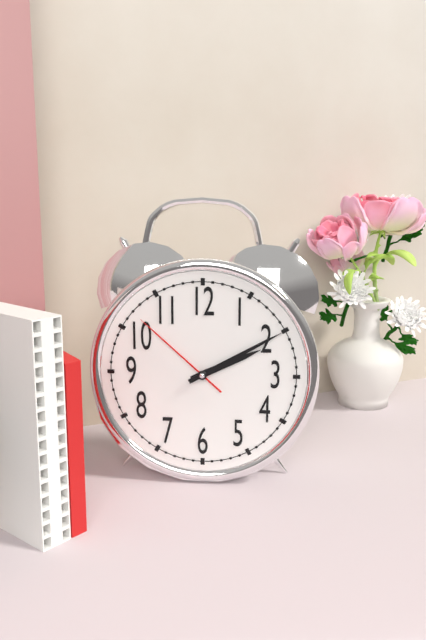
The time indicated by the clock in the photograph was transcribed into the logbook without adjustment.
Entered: 2:10:52
